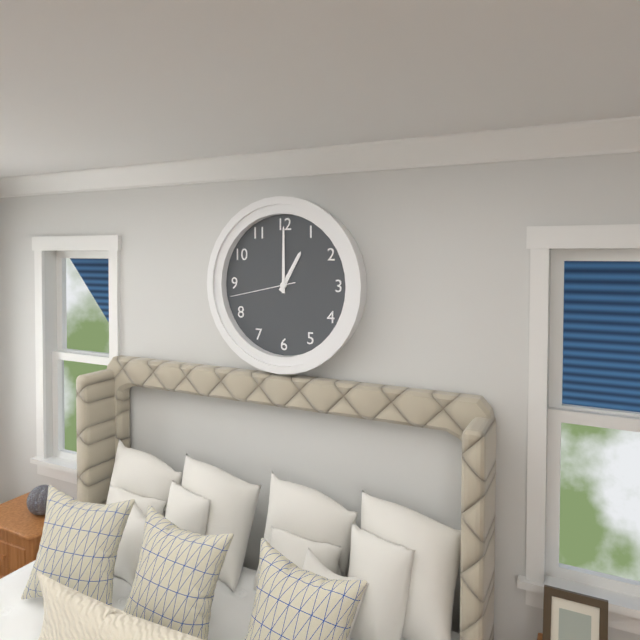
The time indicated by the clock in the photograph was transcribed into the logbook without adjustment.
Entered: 1:00:43
